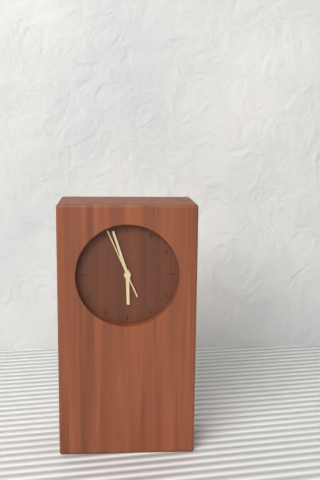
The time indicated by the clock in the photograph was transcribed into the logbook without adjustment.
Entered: 5:57:56
